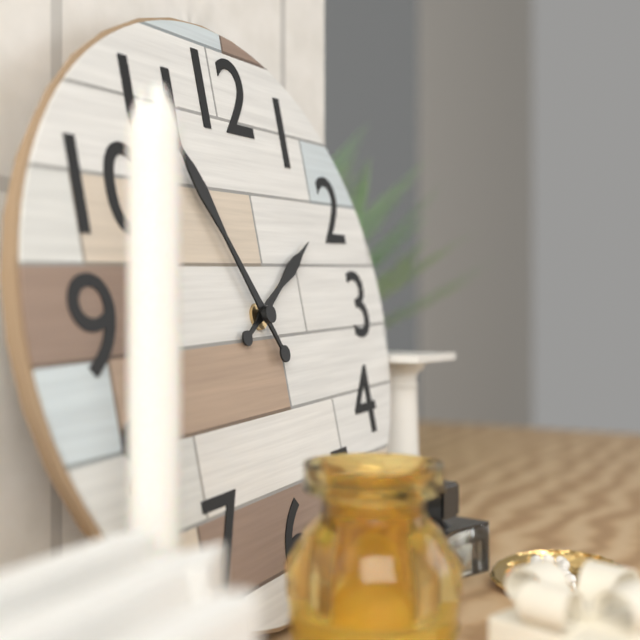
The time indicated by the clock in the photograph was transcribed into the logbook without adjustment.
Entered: 1:55
